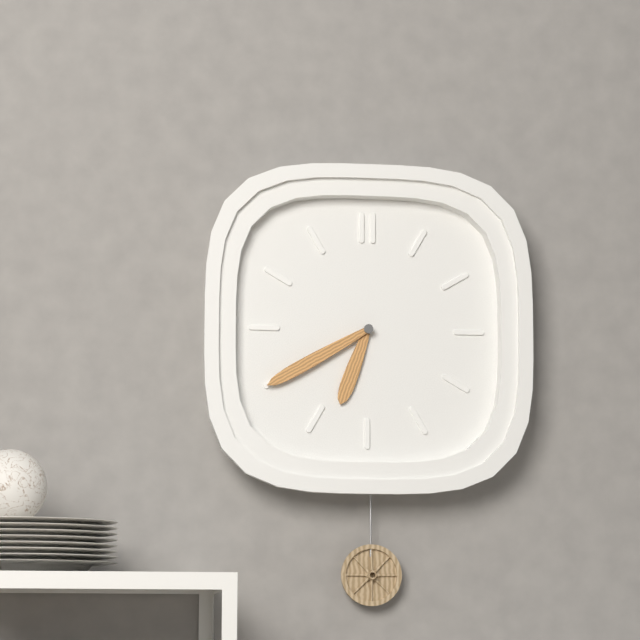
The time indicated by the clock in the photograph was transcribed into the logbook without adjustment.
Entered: 6:40
